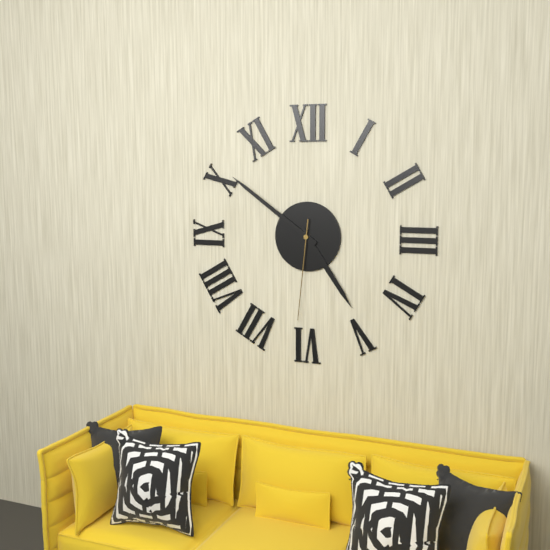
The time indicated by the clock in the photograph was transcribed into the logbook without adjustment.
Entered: 4:51:31
